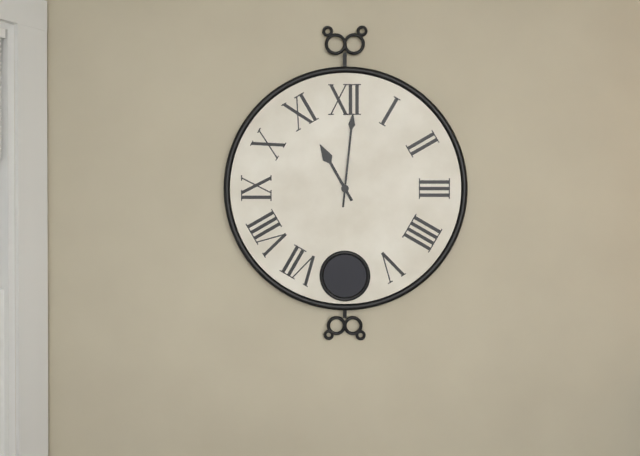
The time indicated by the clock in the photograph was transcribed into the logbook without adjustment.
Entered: 11:01
